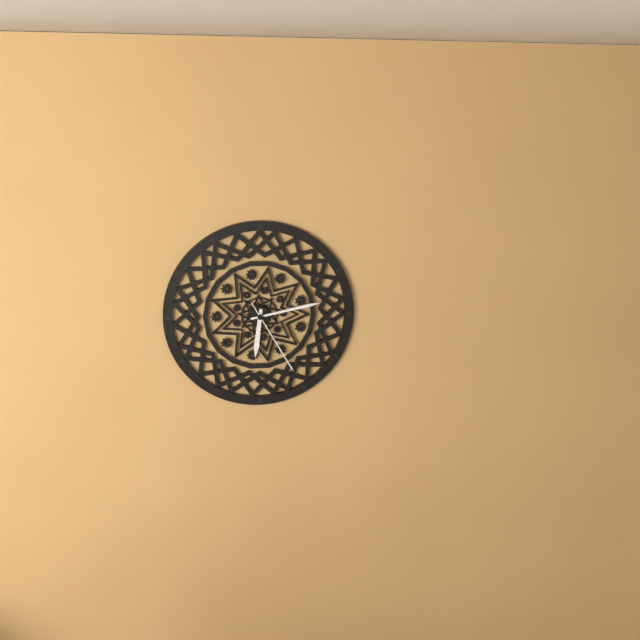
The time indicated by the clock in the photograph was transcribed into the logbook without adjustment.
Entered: 6:13:25
